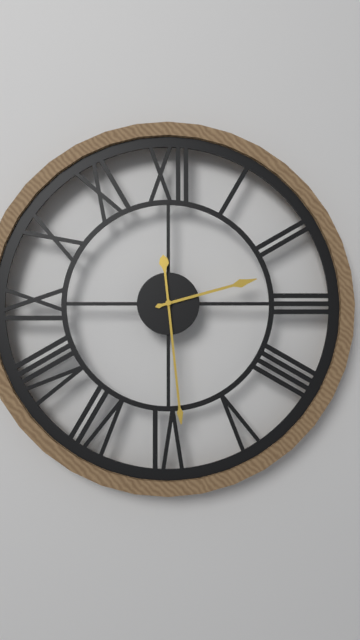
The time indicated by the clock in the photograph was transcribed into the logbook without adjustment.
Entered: 2:29
